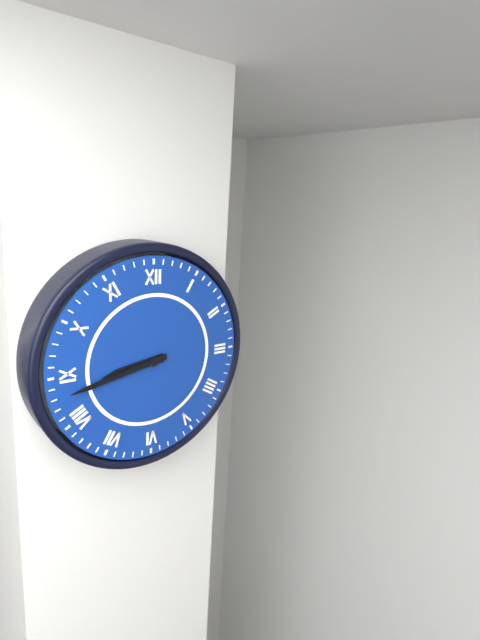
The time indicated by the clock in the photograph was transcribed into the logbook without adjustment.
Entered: 8:43
